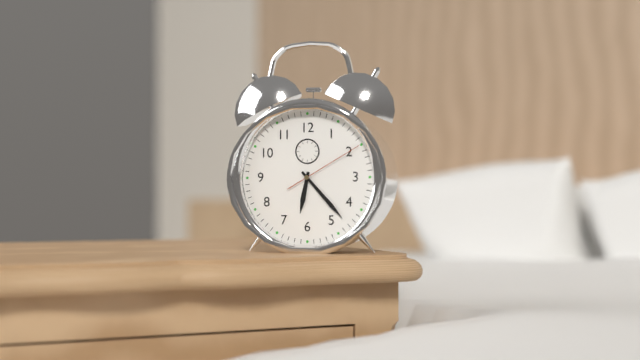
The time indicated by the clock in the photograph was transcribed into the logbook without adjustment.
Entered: 6:23:10
